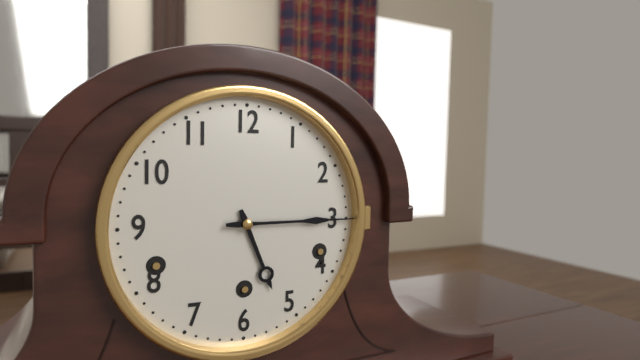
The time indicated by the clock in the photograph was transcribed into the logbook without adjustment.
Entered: 5:15
